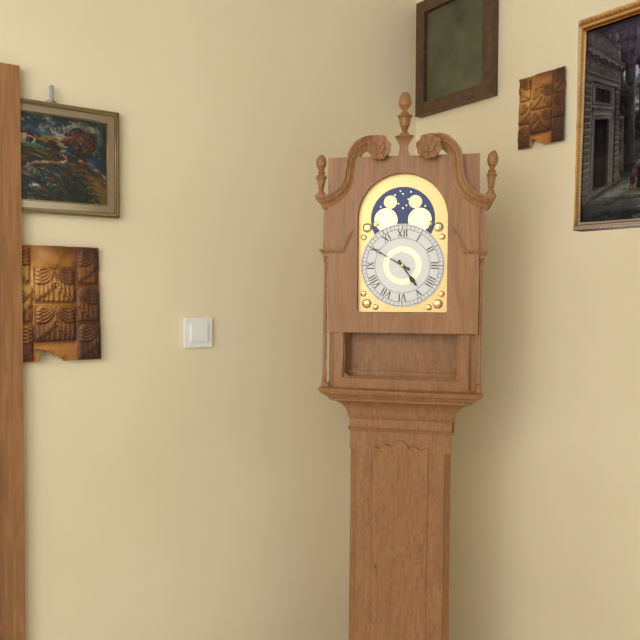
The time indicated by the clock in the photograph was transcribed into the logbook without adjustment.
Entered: 4:50
